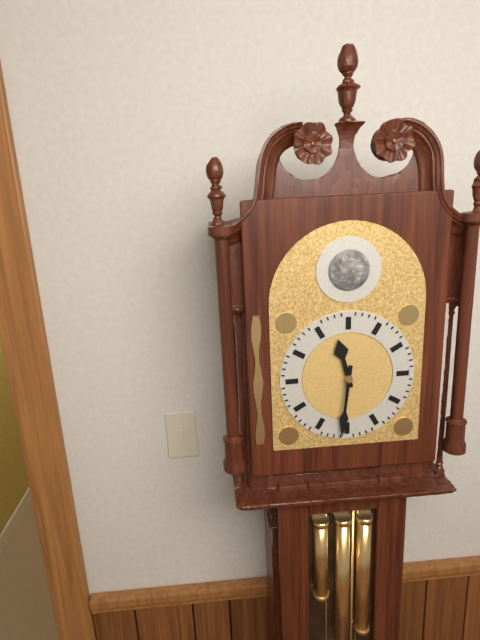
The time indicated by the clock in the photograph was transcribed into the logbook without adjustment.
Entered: 11:31
